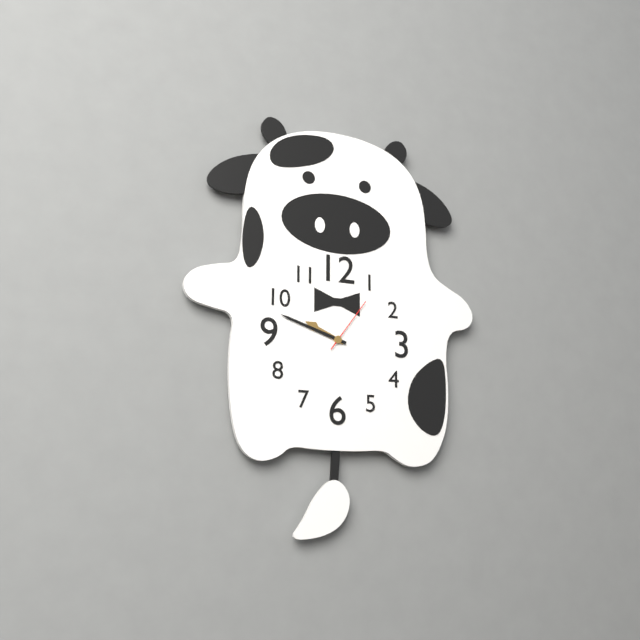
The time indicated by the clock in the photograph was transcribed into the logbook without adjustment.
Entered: 9:48:06
